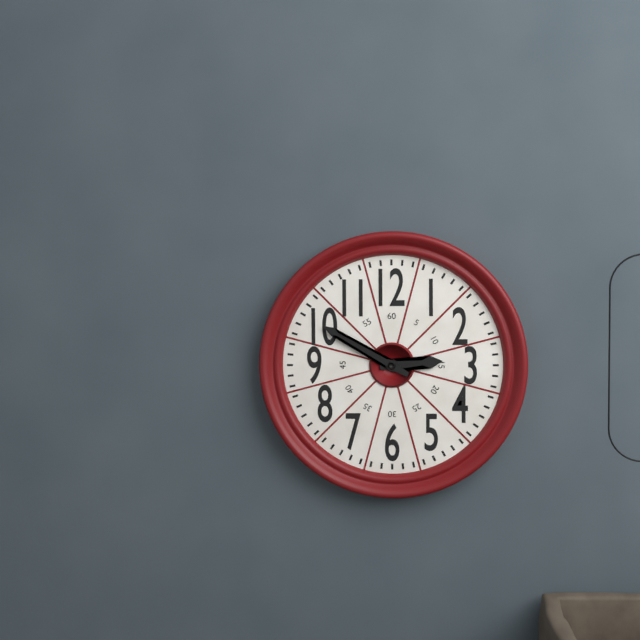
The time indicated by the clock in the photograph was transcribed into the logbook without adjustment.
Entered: 2:50
